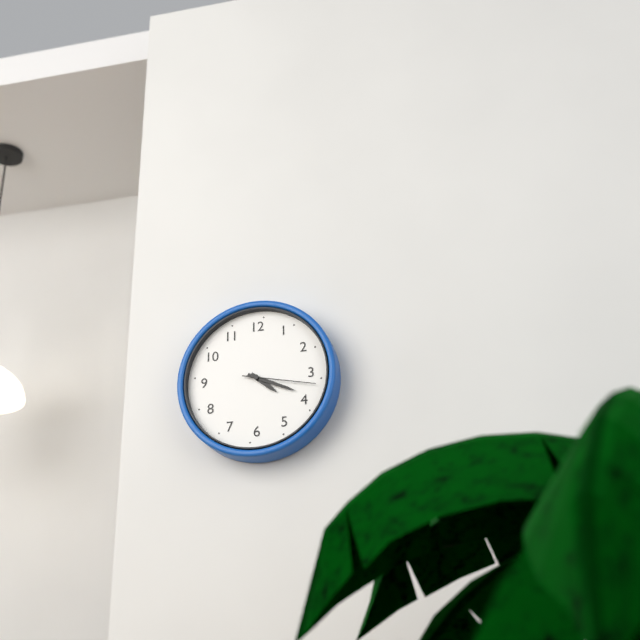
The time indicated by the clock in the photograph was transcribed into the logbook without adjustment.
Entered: 4:19:17
